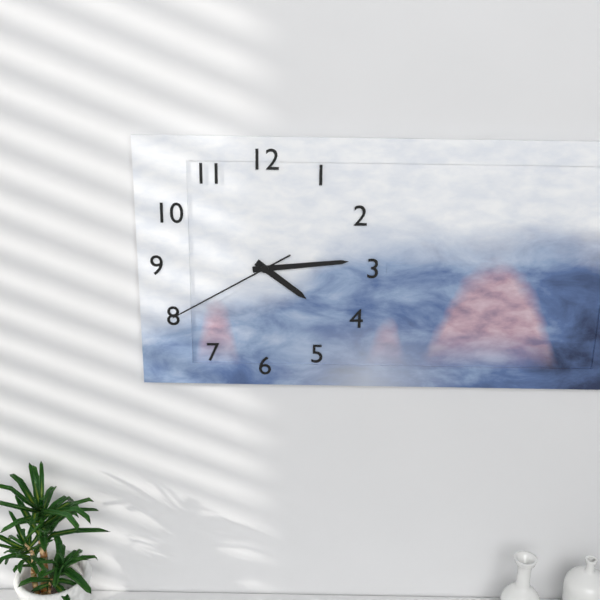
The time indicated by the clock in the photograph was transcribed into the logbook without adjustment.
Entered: 4:14:40
